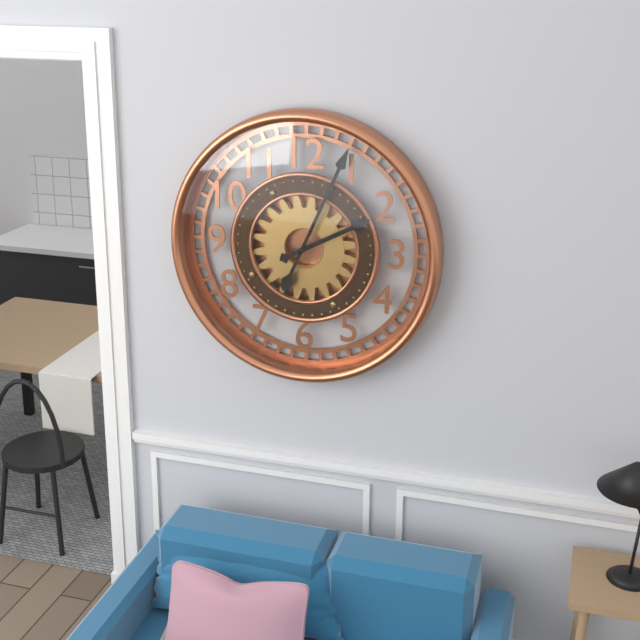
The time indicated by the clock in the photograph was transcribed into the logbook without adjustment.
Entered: 2:04
